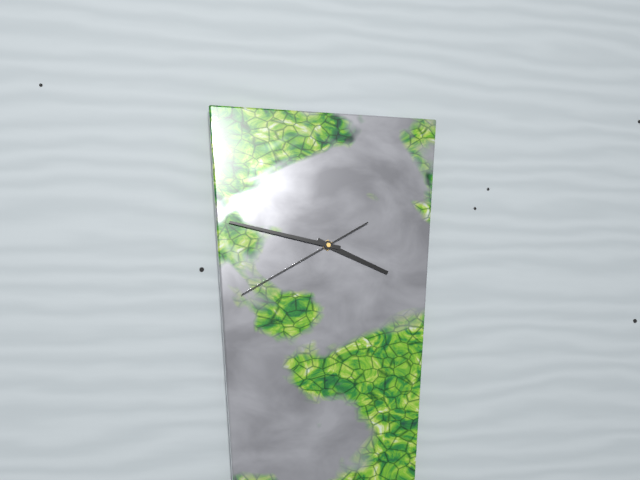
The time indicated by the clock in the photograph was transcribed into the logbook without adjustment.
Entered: 3:47:40
